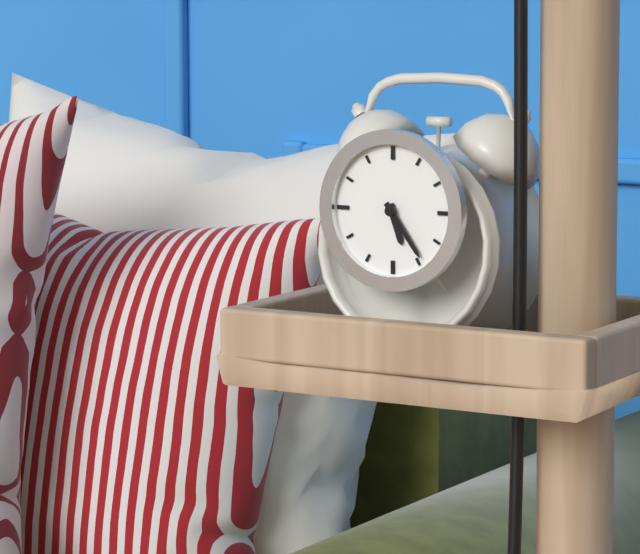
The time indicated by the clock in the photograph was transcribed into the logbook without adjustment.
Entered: 5:24
